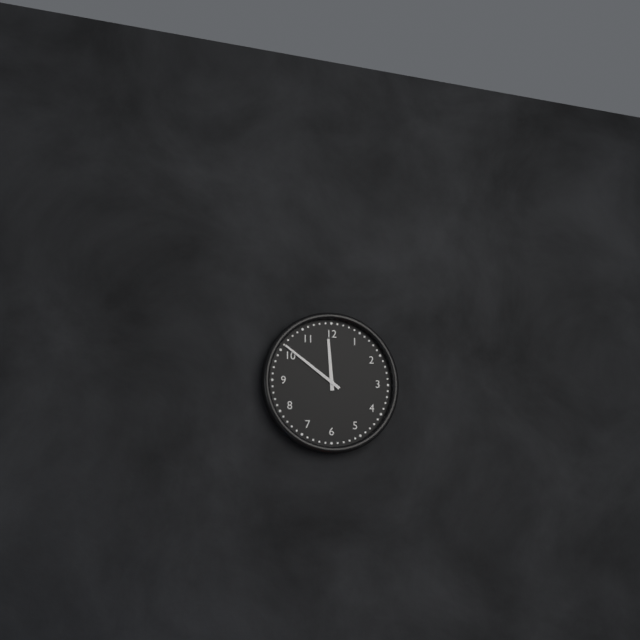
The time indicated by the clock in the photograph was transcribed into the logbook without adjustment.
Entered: 11:51
